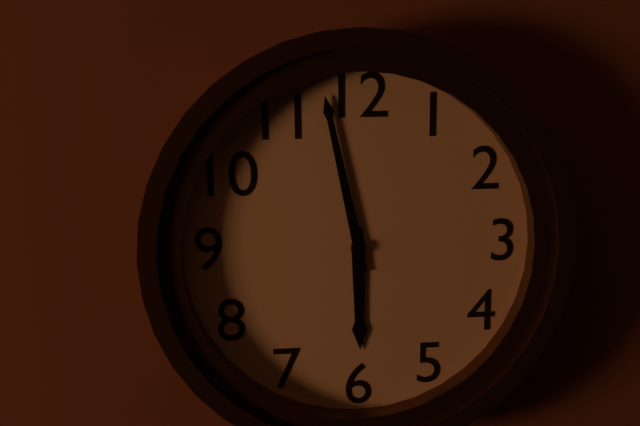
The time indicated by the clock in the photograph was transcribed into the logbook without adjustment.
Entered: 5:58
